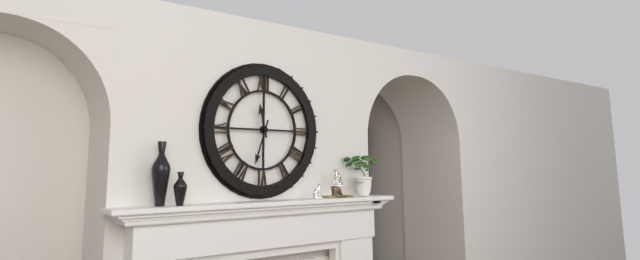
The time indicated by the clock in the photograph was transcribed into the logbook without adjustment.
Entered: 11:33
